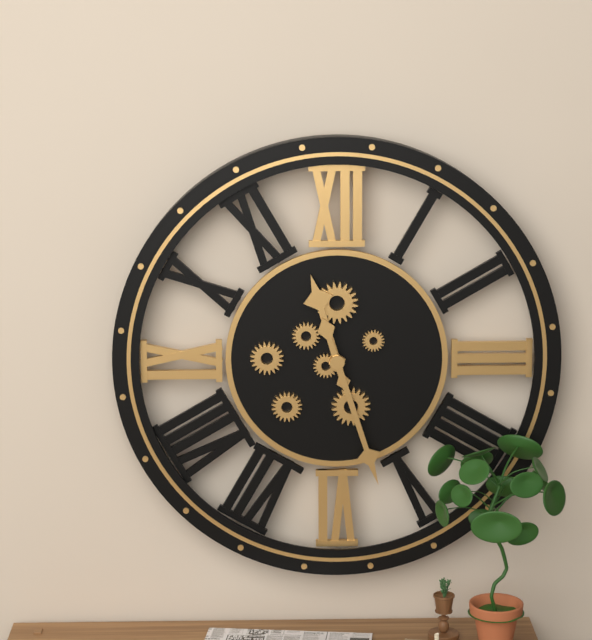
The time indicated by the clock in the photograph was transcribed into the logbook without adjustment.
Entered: 11:27
